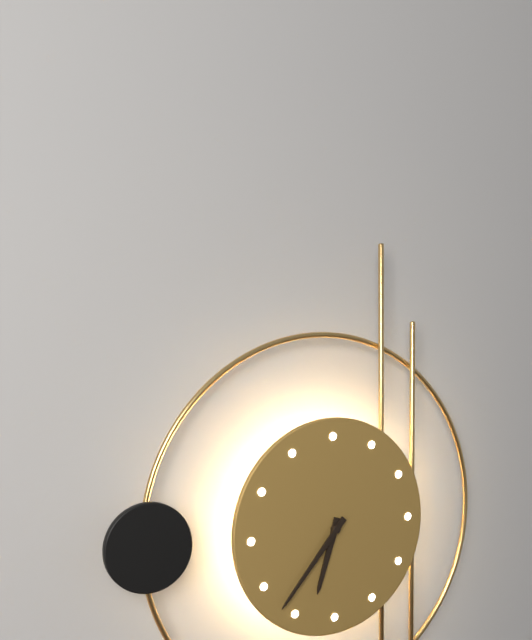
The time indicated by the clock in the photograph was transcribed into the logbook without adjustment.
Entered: 6:37
